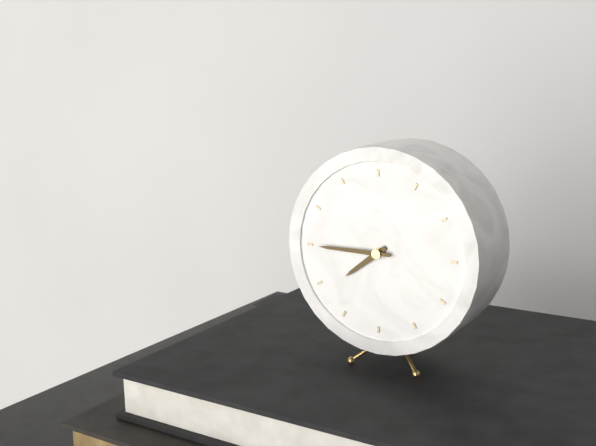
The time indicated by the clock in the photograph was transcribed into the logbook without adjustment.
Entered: 7:45
